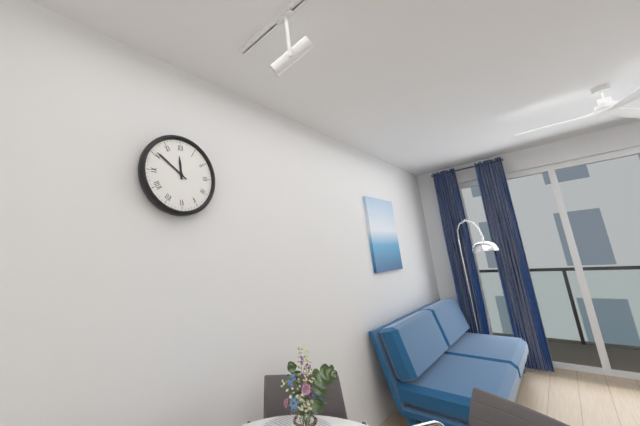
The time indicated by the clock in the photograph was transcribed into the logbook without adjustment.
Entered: 11:51
